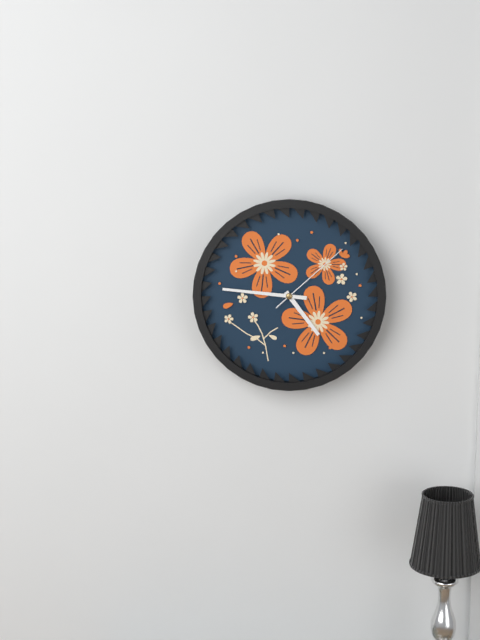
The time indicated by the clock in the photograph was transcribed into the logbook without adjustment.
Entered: 4:46:08
